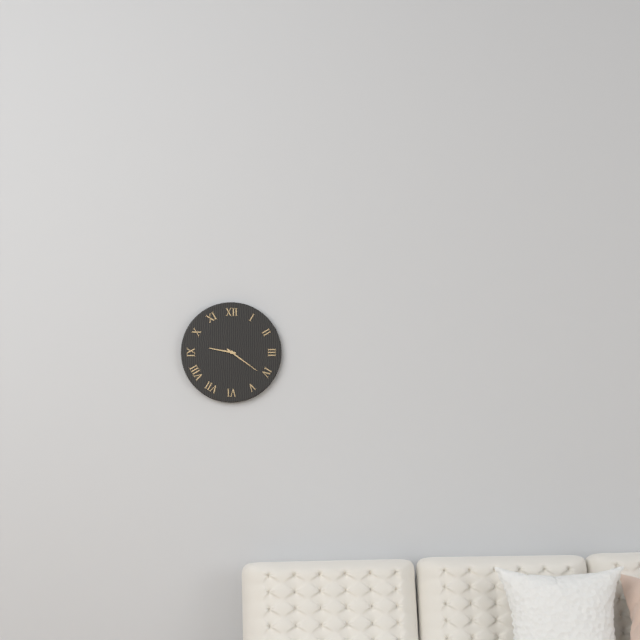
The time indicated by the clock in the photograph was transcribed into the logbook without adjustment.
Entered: 9:21
